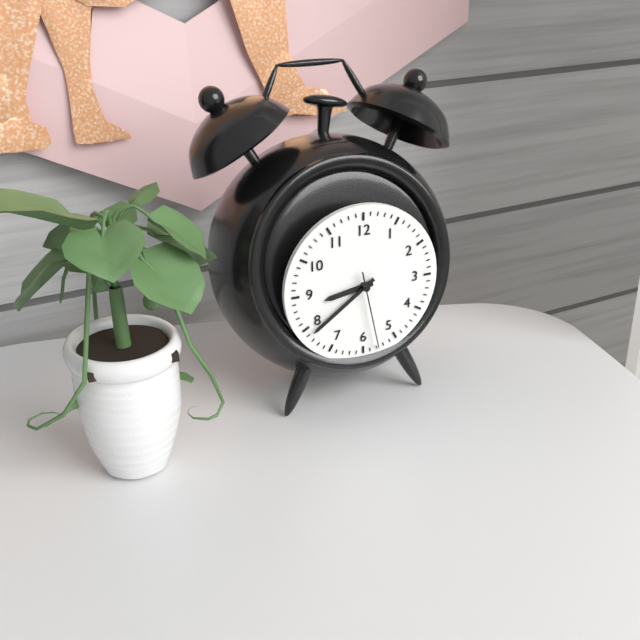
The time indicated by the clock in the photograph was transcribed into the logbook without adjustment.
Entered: 8:39:28
